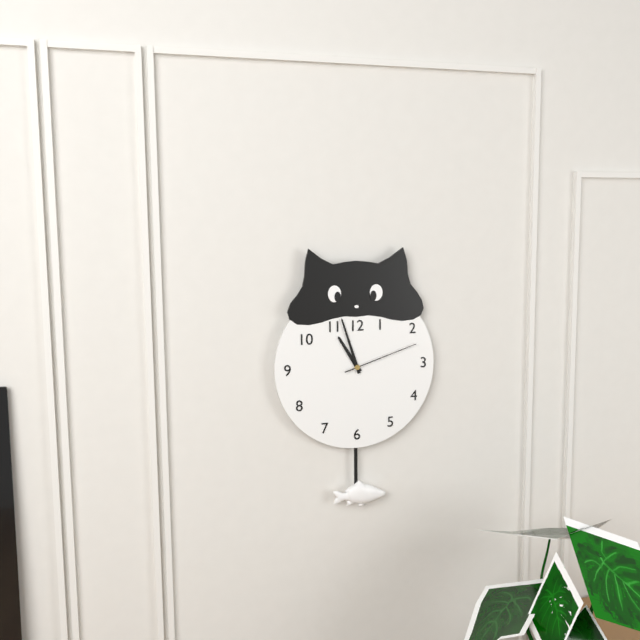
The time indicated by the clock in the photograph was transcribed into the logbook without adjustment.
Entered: 10:57:12
